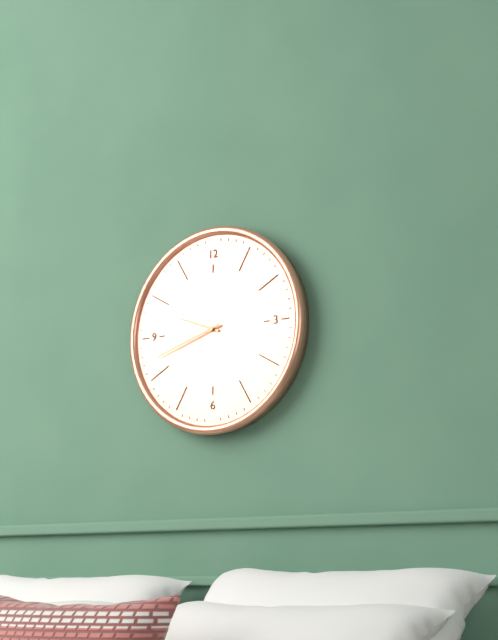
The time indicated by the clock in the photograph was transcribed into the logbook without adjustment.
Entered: 9:42
